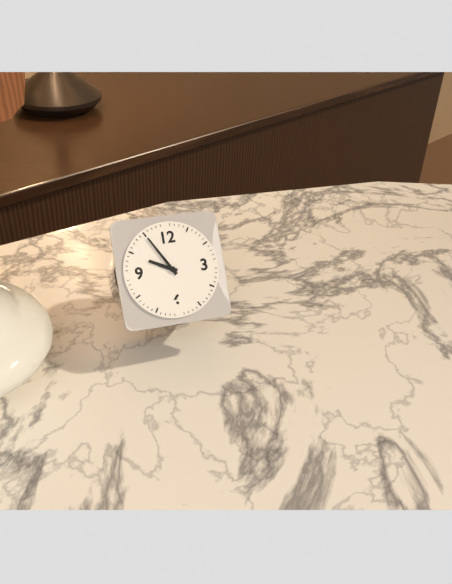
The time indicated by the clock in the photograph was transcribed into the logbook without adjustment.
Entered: 9:55
